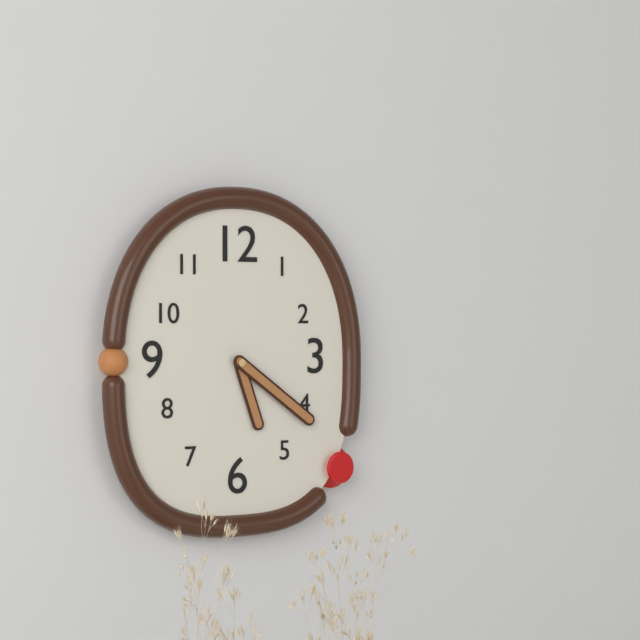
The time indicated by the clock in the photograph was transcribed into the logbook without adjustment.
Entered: 5:21
